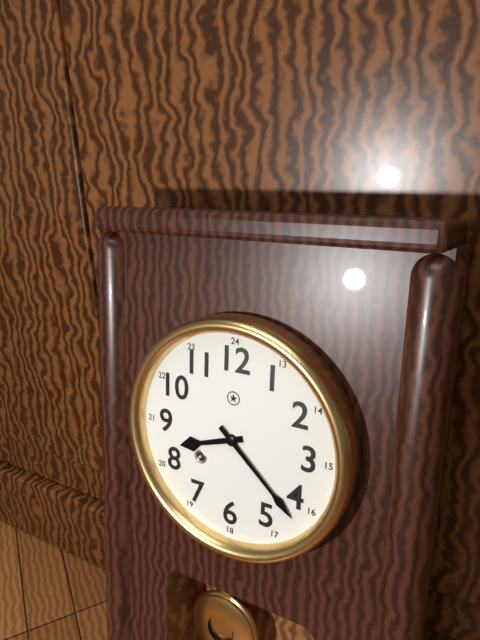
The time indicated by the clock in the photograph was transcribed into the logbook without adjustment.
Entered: 8:22
